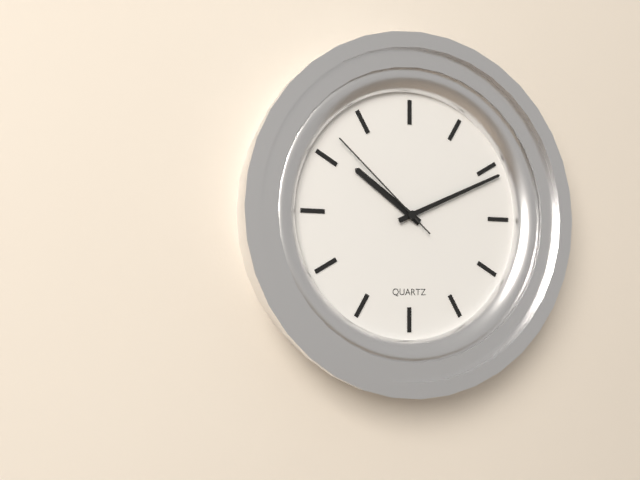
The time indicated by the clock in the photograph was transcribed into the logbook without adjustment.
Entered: 10:11:52
